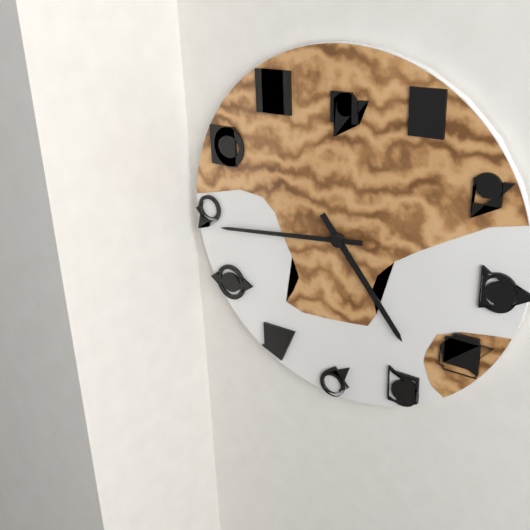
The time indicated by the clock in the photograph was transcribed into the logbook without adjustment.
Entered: 4:44
